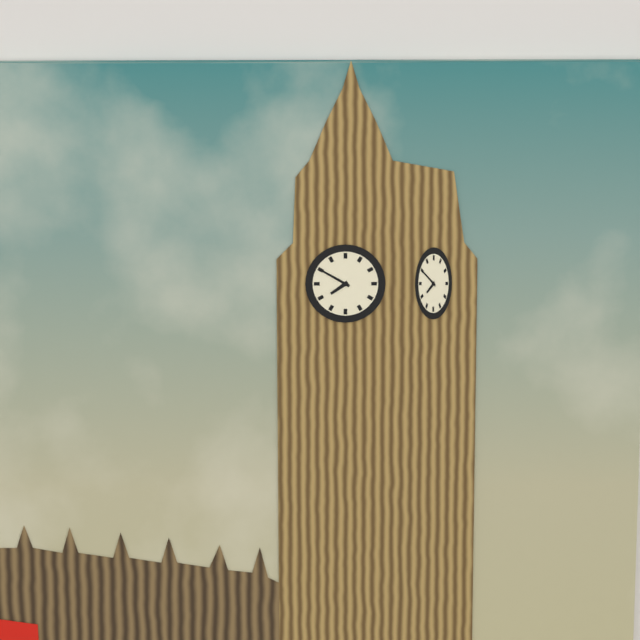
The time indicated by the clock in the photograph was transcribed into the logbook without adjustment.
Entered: 7:50
